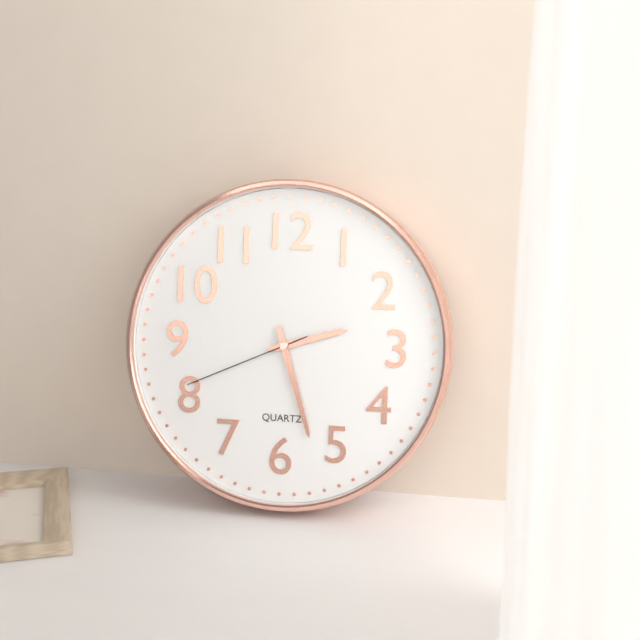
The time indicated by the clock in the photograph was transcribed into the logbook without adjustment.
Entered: 2:27:41
